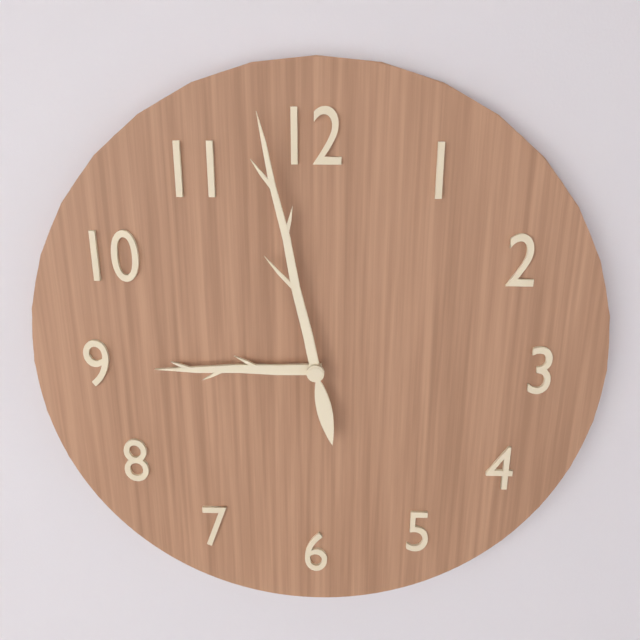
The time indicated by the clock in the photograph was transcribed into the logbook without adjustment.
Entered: 8:58
